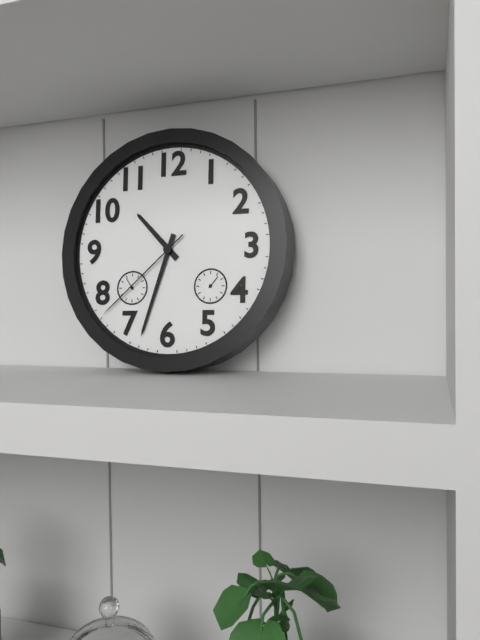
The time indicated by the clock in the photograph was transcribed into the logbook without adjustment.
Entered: 10:33:38
